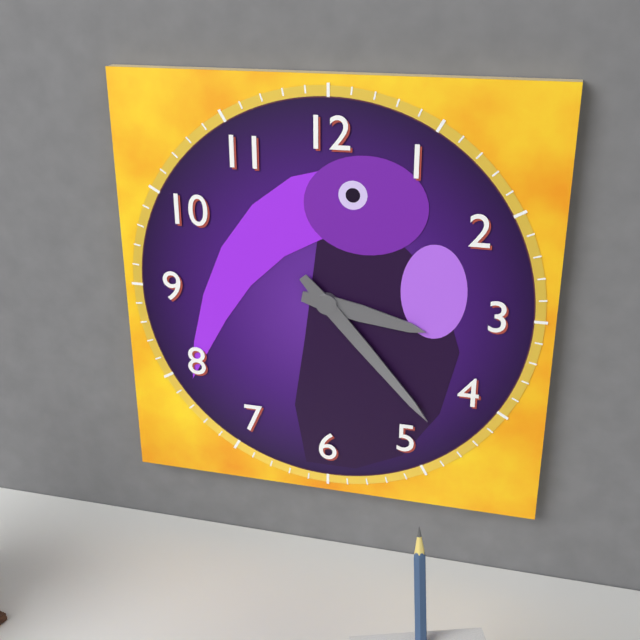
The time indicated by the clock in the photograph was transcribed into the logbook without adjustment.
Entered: 3:23
